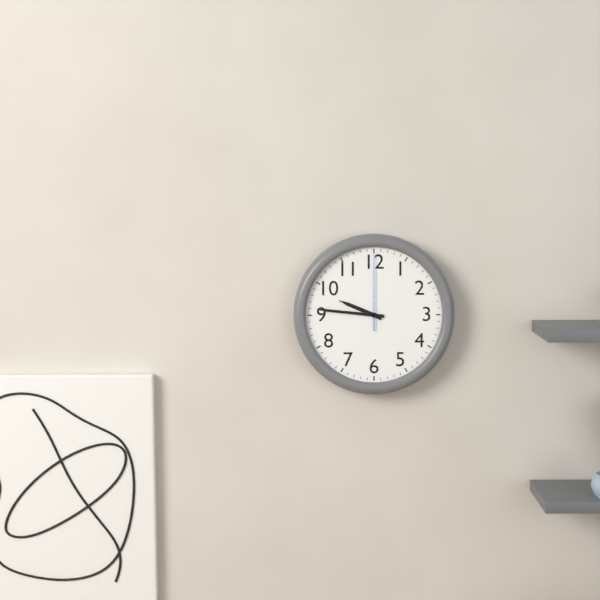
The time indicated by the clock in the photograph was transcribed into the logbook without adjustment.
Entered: 9:46:00
